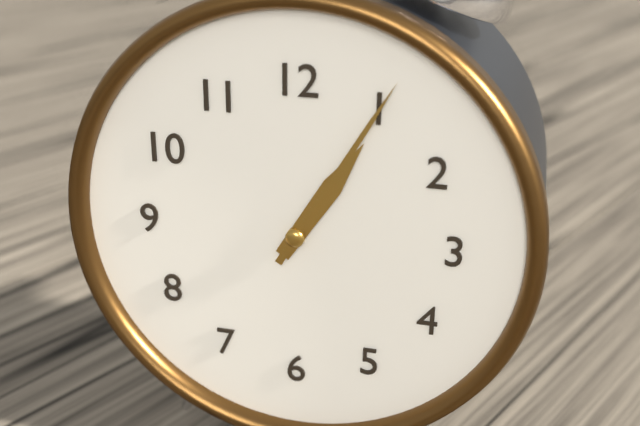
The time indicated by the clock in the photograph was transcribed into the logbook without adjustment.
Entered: 1:05
